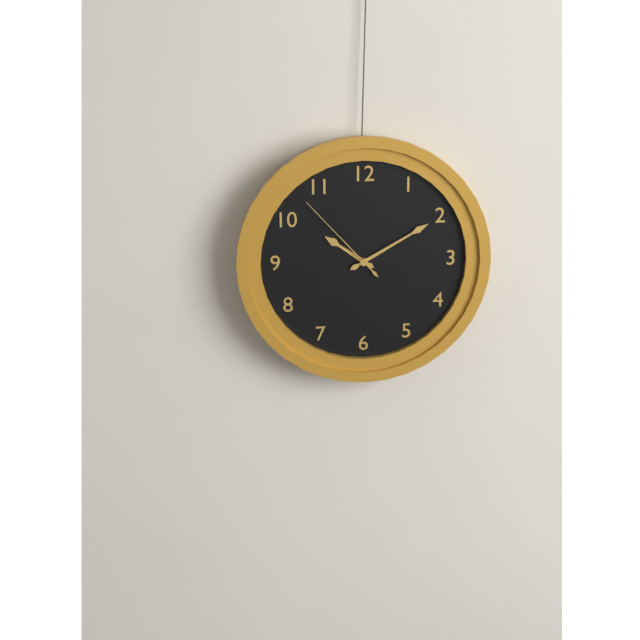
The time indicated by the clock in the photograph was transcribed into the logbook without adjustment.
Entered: 10:10:53
